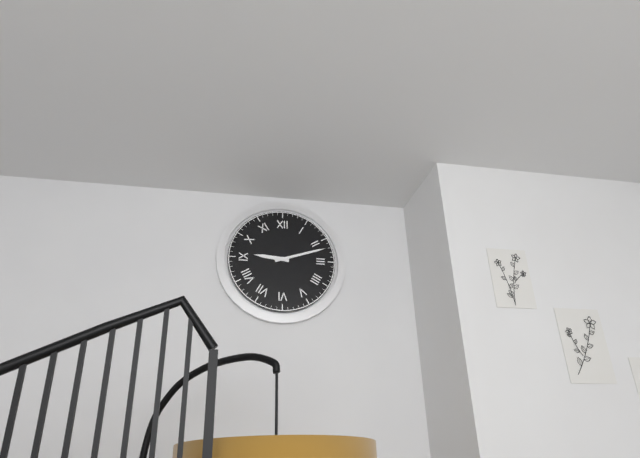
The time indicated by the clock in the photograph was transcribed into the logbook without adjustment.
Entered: 9:12
